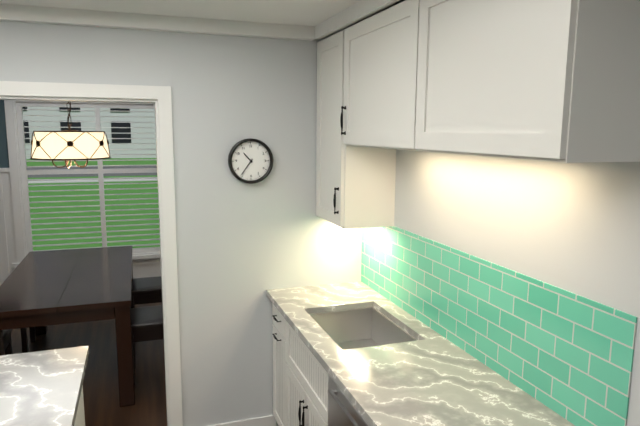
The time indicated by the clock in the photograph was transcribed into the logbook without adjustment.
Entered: 10:36
